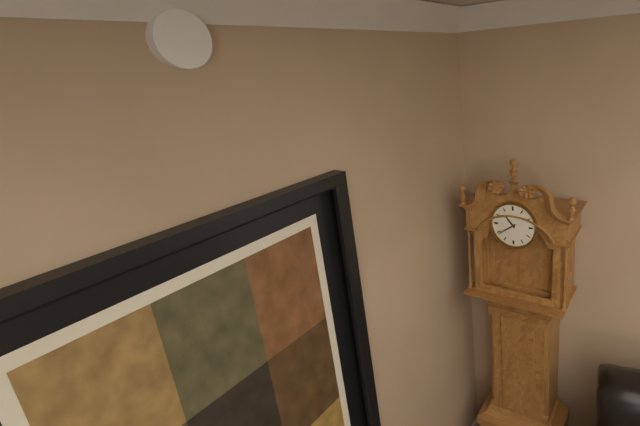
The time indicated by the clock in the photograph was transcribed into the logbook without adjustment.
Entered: 10:39
